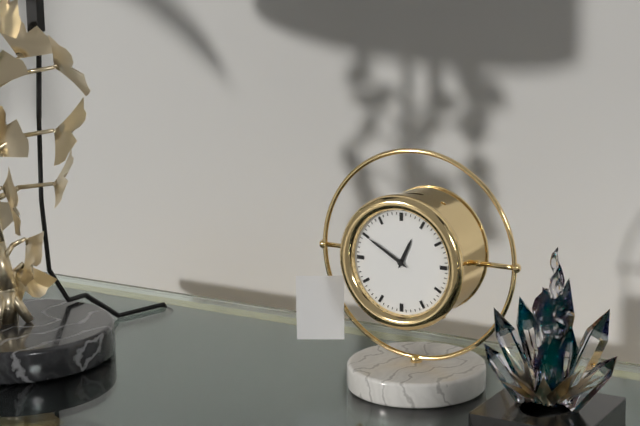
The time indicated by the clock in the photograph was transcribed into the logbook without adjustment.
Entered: 12:50
